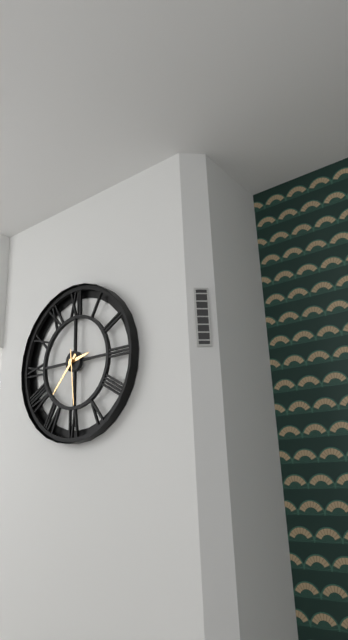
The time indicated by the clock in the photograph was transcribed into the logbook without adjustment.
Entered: 2:37:29
